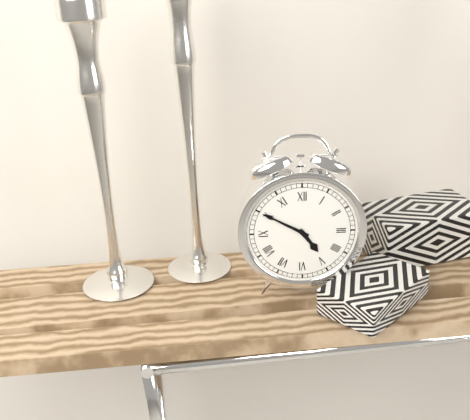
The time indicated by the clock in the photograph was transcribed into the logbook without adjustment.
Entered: 4:50
